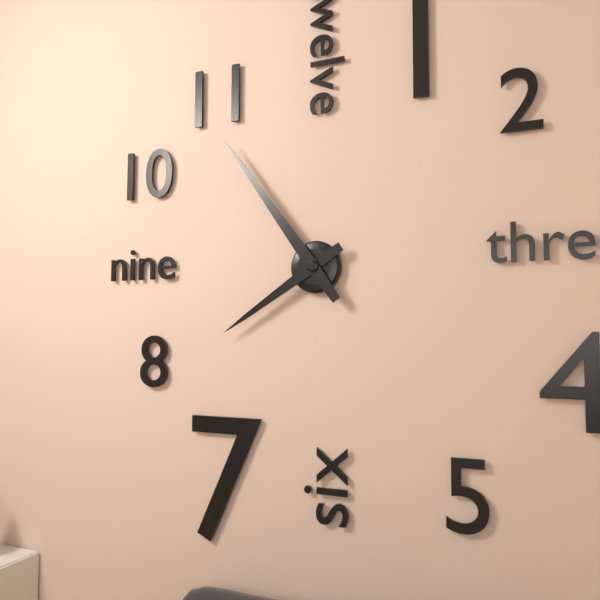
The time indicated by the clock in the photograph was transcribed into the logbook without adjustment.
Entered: 7:54
